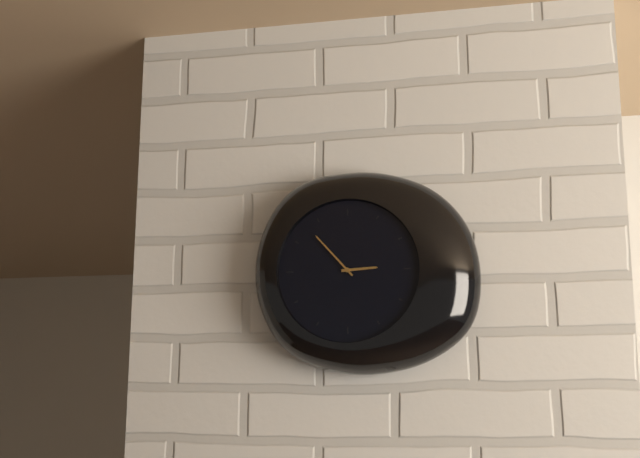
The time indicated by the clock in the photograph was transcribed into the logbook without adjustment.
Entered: 2:53
